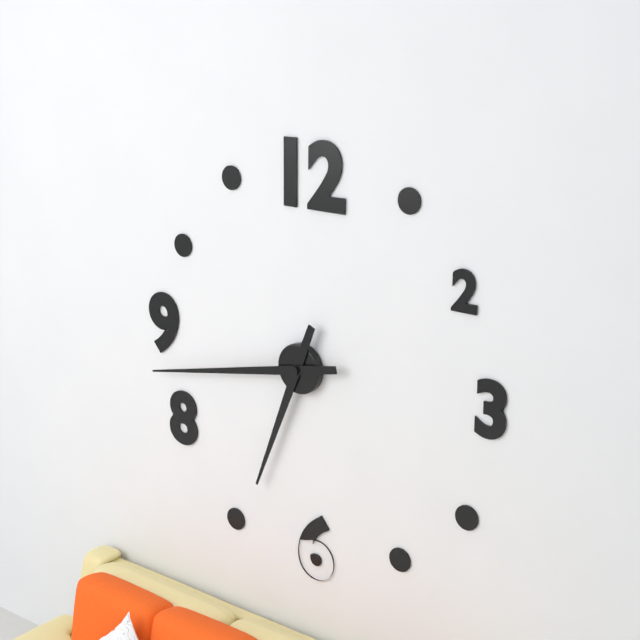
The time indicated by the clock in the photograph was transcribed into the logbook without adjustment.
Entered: 6:43
